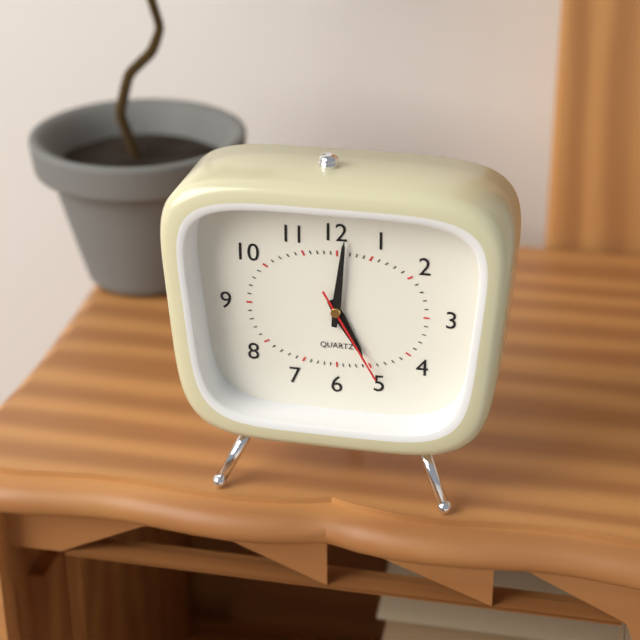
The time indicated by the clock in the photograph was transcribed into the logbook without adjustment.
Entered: 5:01:25
